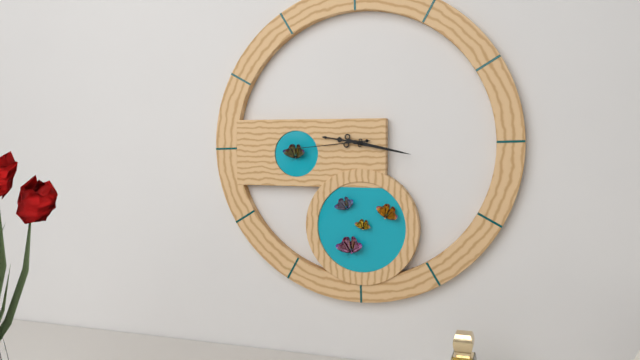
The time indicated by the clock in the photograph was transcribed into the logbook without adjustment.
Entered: 9:17:44
